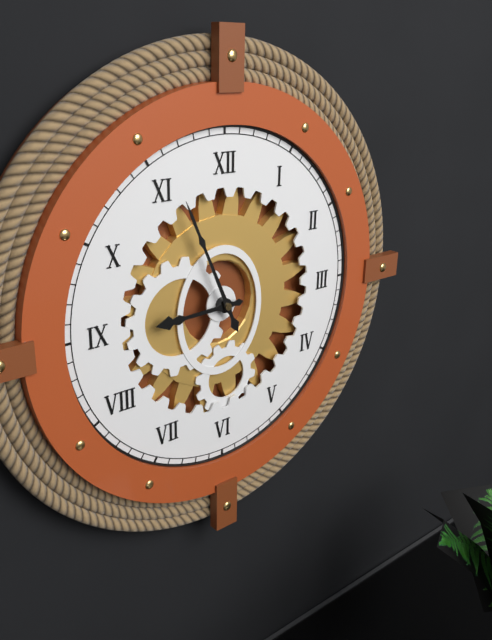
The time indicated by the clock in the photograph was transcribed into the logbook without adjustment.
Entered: 8:56
